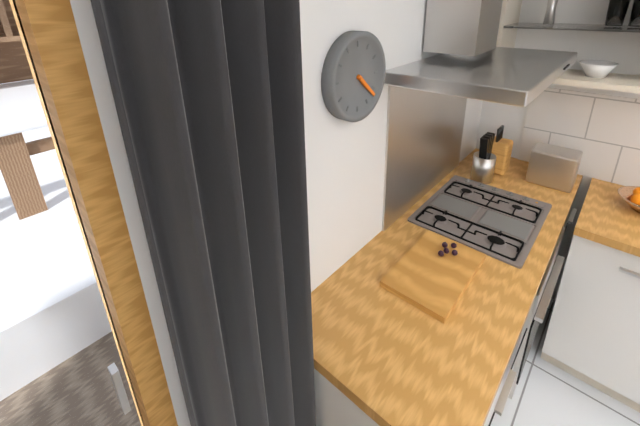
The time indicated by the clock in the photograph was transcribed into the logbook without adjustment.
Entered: 4:22
